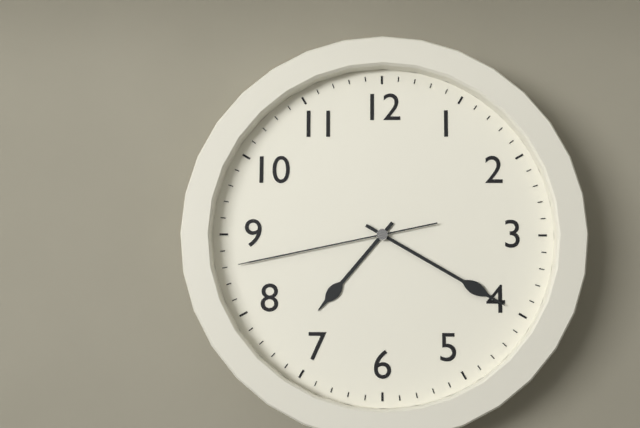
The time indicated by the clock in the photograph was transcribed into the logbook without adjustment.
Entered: 7:20:43
